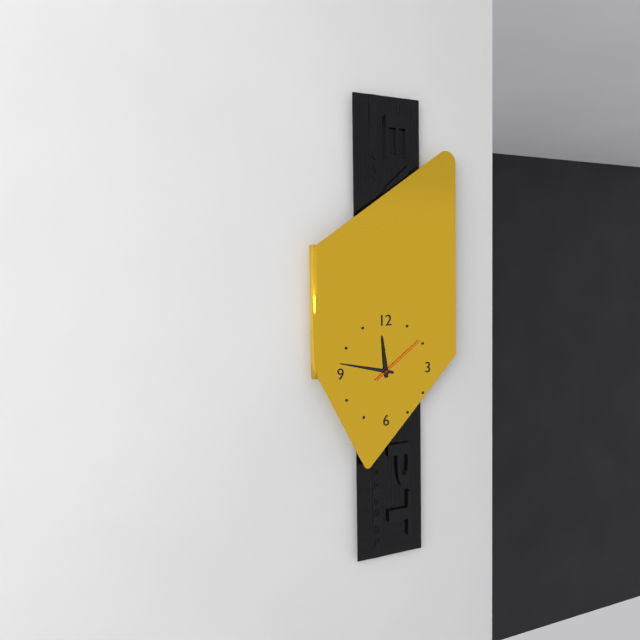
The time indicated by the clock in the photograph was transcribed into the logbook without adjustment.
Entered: 11:47:09
